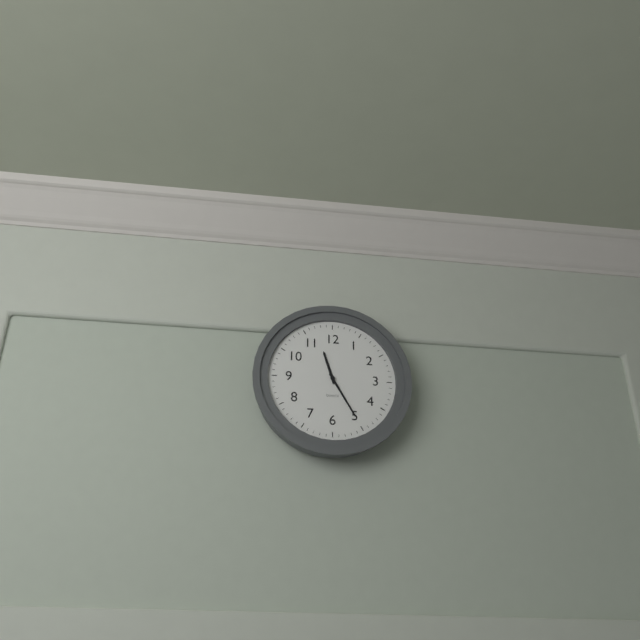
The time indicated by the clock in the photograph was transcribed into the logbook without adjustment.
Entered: 11:25
